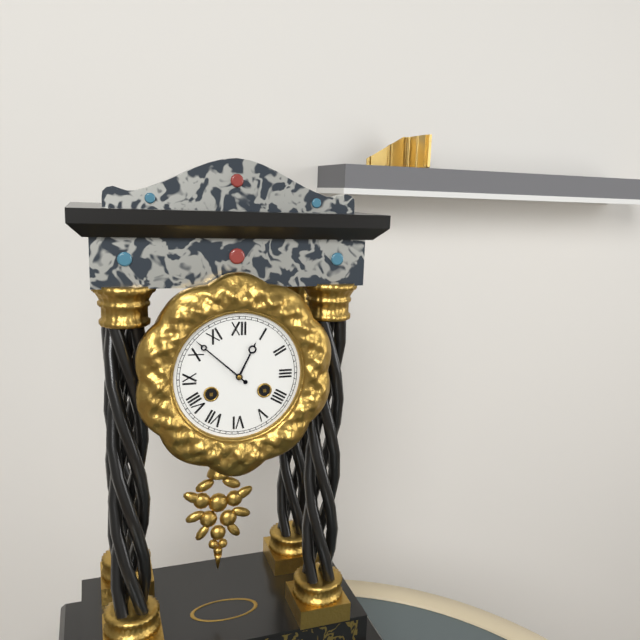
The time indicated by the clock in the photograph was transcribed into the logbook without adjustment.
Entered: 12:52
